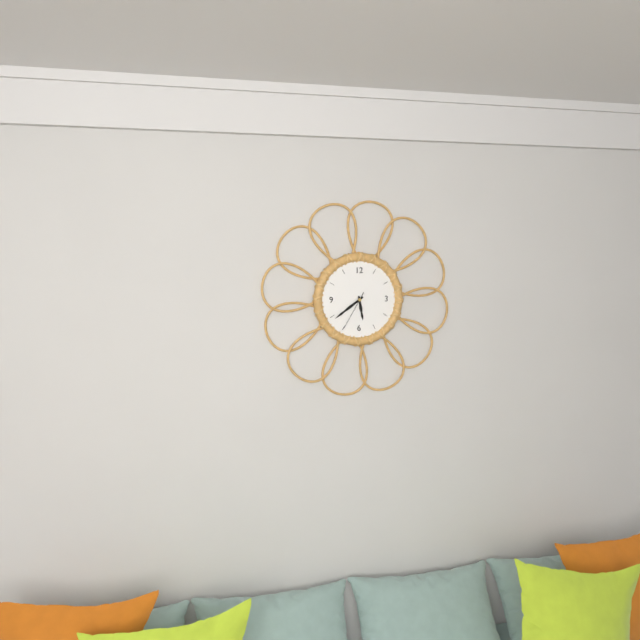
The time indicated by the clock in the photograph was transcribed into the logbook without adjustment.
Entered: 5:39
